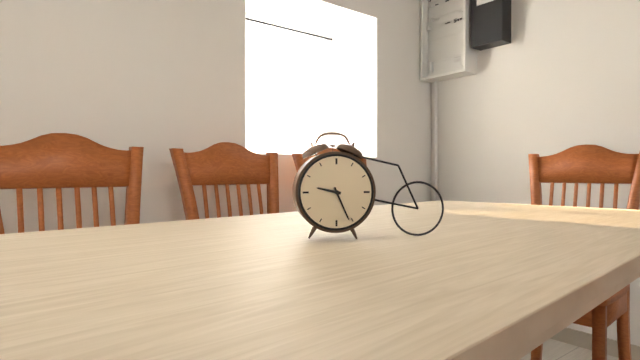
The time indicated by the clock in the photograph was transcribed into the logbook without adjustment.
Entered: 9:26
